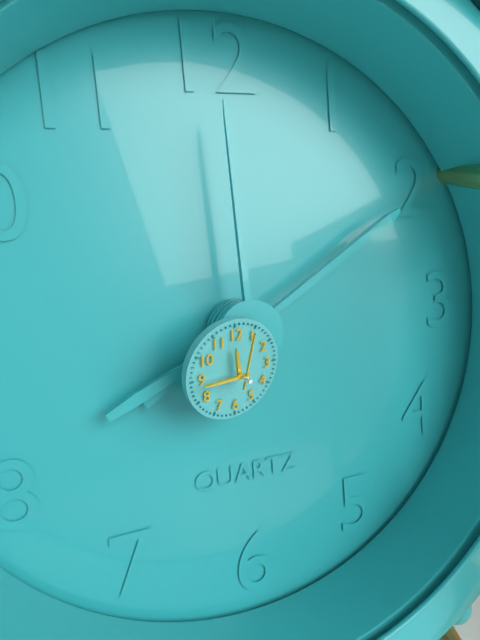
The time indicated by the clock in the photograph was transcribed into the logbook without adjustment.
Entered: 11:45:02
